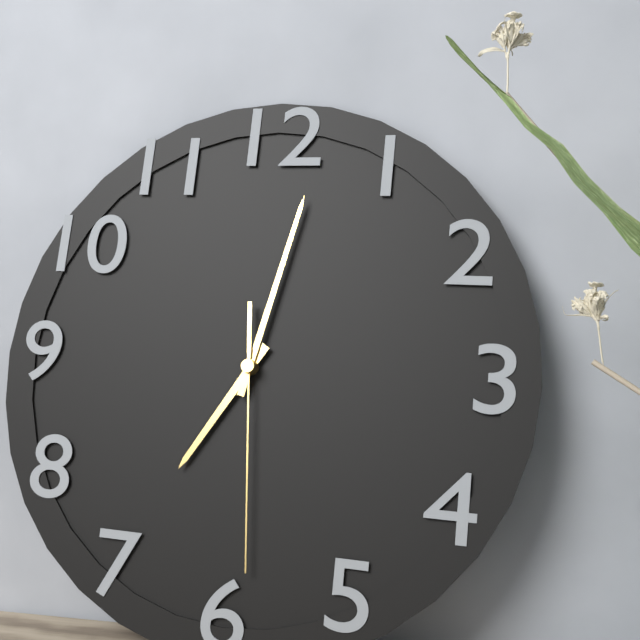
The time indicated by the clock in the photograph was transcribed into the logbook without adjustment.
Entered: 7:02:29
